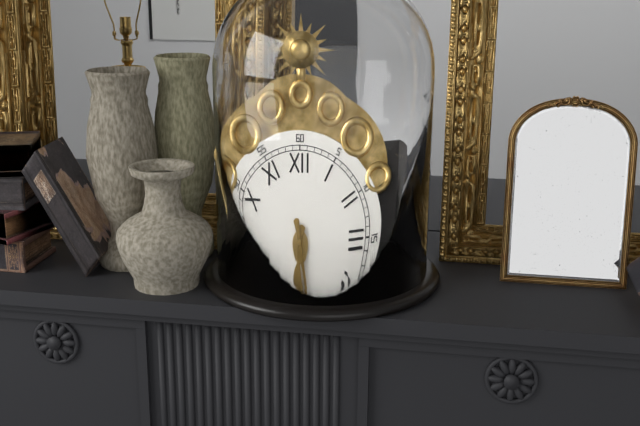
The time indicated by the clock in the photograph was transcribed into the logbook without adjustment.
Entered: 6:28
